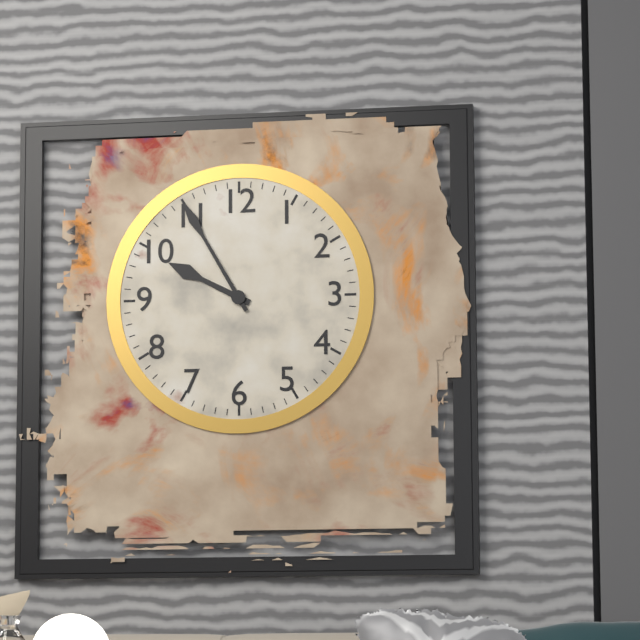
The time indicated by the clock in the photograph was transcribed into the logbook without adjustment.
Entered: 9:55
